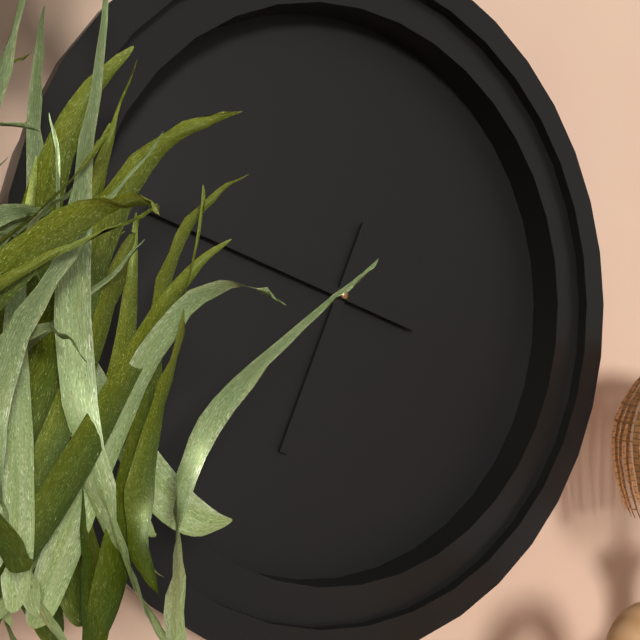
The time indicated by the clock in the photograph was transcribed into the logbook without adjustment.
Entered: 6:48
